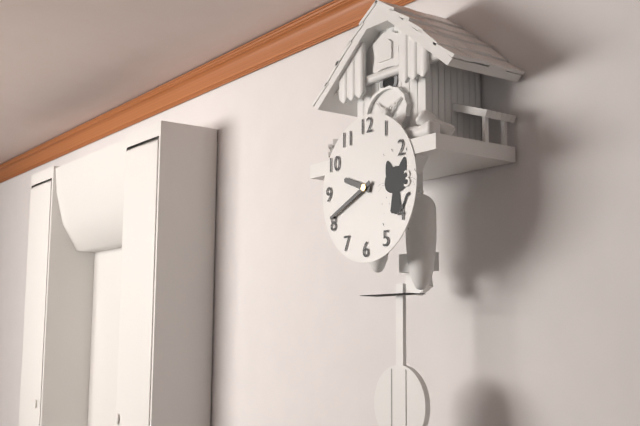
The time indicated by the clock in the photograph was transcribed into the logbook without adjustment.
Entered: 9:41
